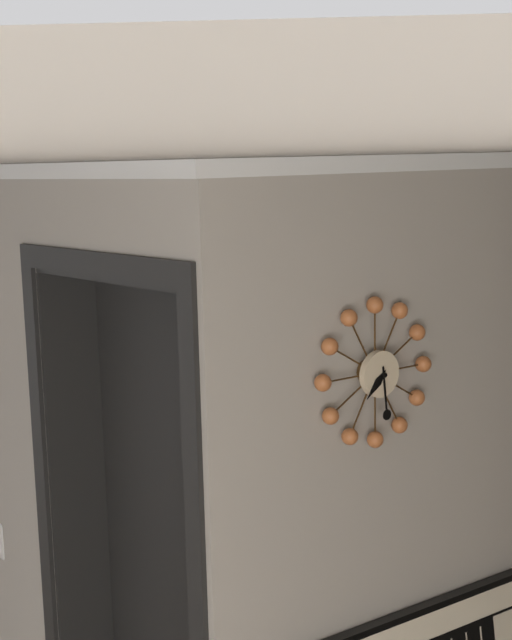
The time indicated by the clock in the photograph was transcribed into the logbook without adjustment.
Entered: 7:29
